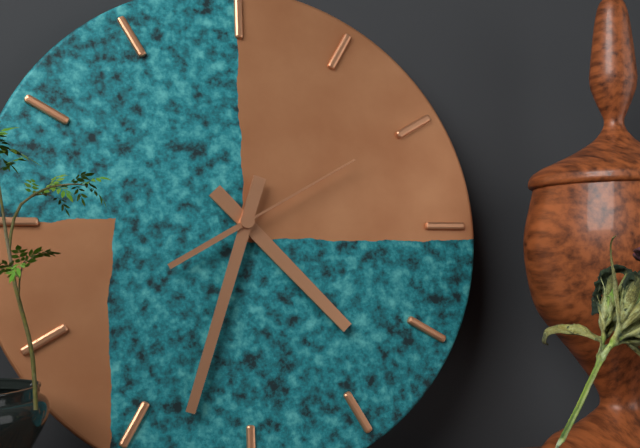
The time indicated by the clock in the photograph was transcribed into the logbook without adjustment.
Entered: 4:33:10
